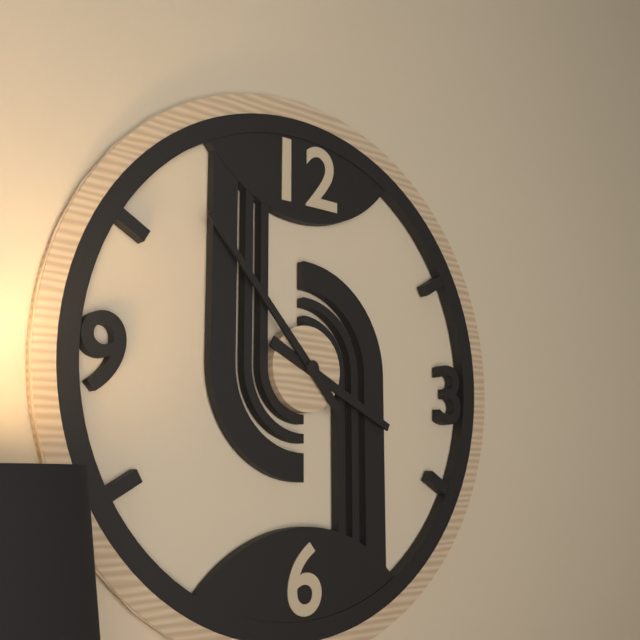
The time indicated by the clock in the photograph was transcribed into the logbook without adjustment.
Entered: 3:53
